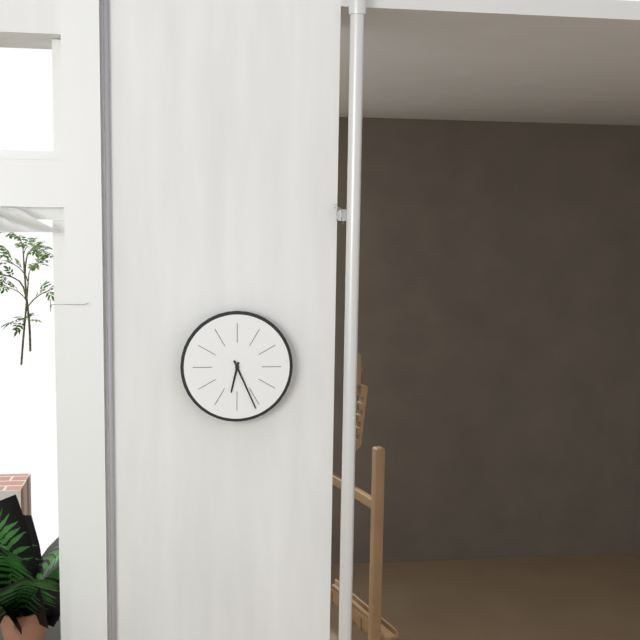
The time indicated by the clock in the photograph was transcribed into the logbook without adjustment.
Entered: 6:26
